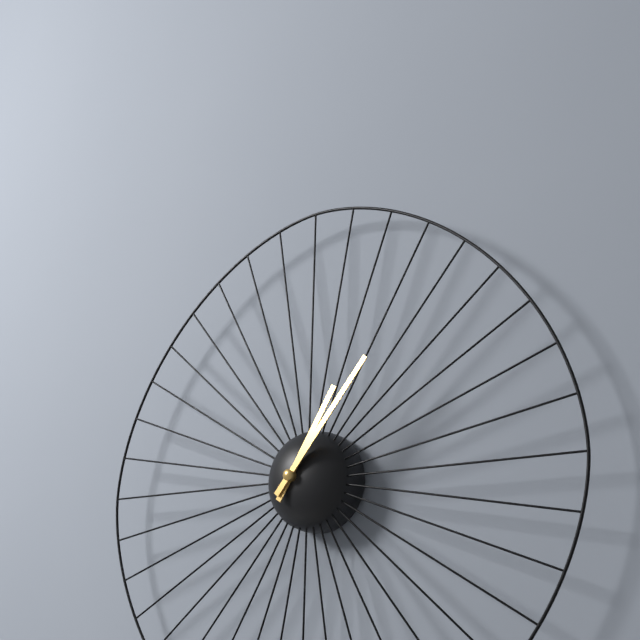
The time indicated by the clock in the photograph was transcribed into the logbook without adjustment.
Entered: 1:07
